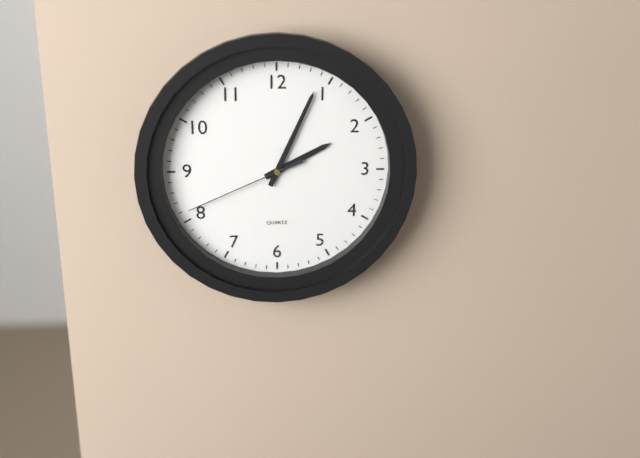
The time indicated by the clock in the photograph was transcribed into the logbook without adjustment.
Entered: 2:04:41
